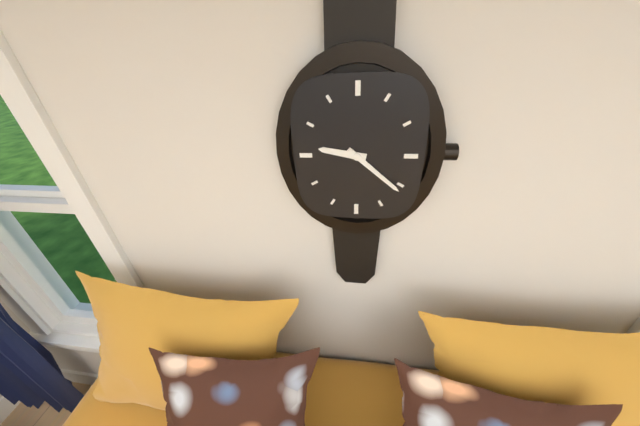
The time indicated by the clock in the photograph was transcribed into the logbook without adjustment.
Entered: 9:22
